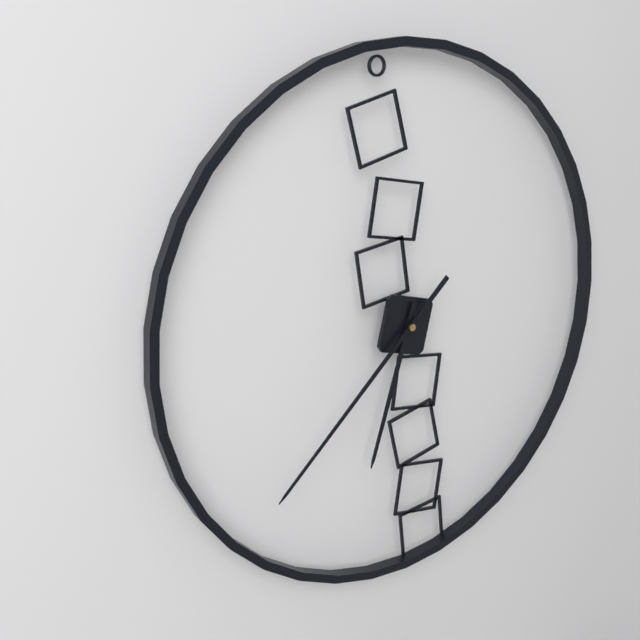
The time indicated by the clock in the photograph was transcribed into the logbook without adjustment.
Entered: 6:38
